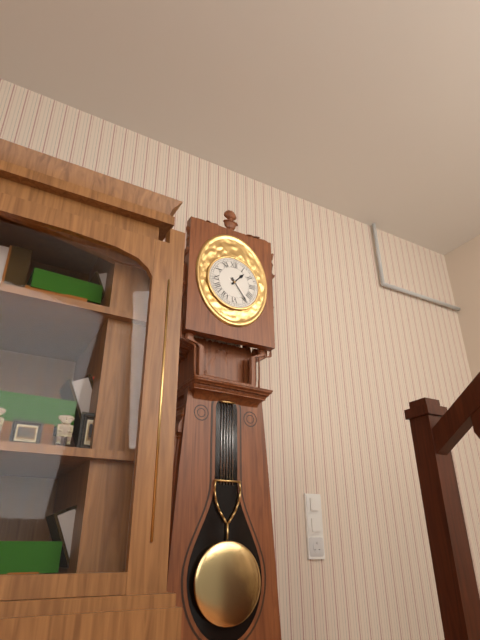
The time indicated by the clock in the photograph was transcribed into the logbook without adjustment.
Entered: 1:24
